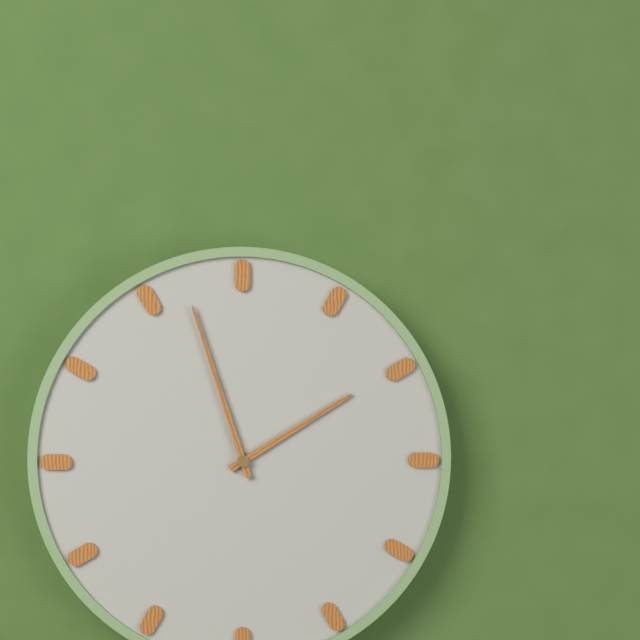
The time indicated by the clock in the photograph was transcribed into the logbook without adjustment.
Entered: 1:57
